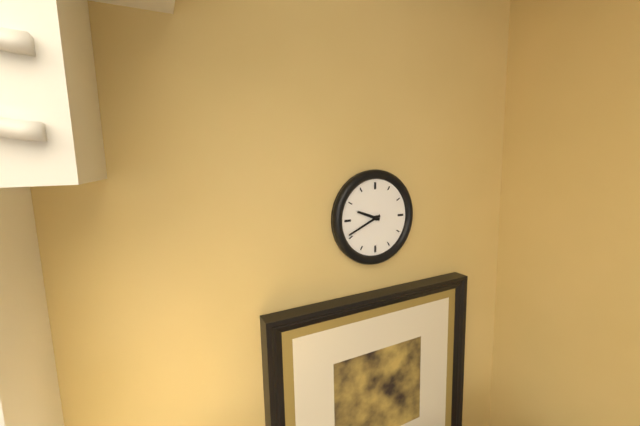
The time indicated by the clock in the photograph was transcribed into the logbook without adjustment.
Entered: 9:41
